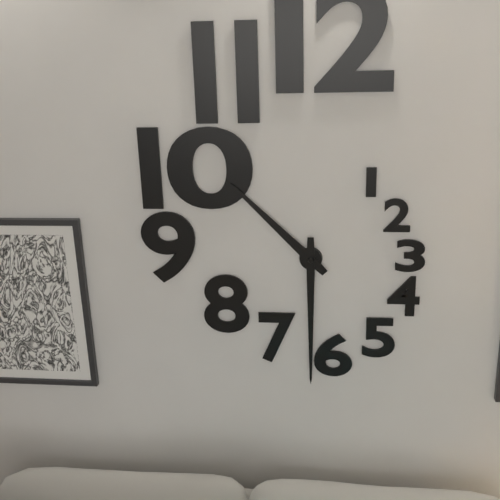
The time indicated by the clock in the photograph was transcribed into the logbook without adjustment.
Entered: 10:30
